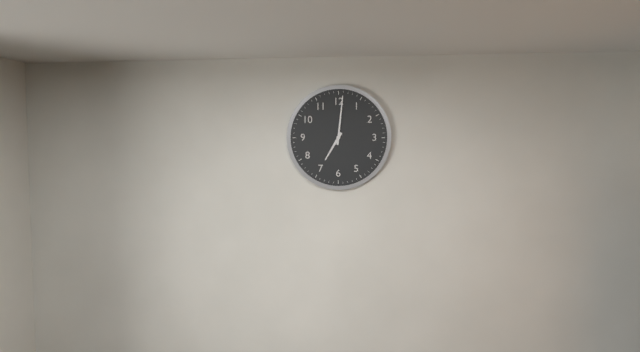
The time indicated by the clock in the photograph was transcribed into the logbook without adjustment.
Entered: 7:01
